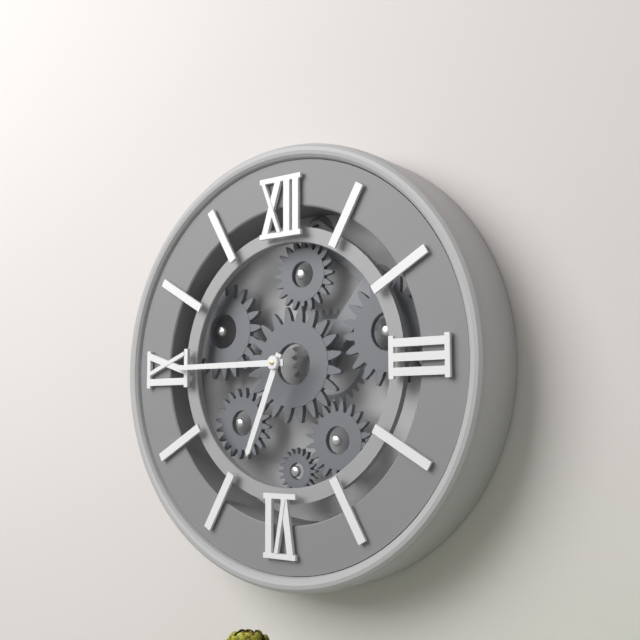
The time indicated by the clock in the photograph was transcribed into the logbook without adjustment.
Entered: 6:45
